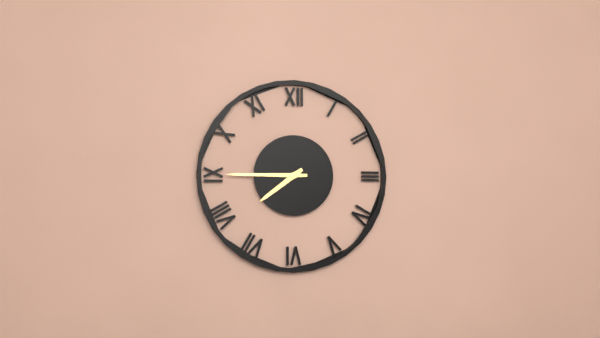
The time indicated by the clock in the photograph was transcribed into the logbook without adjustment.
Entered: 7:45
